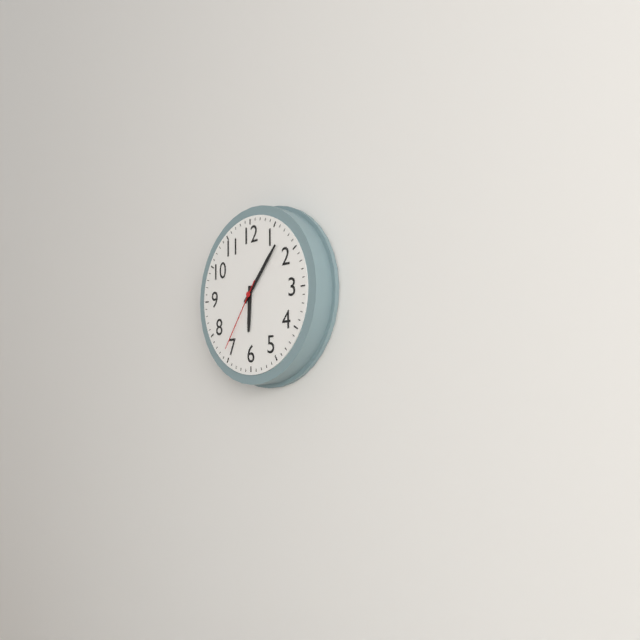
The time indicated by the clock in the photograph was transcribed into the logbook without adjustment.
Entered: 6:07:36
